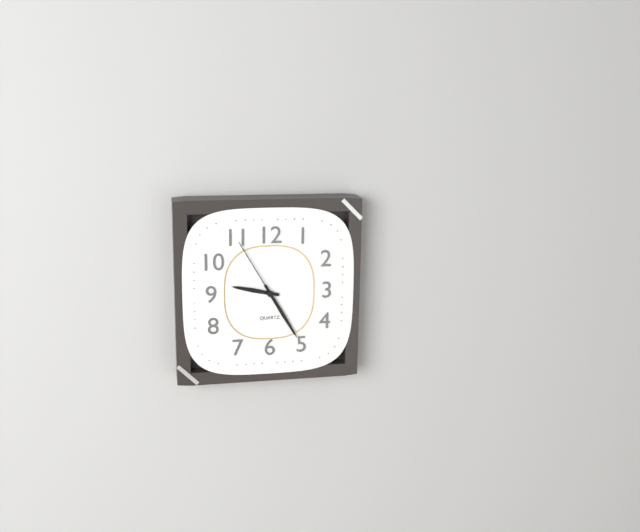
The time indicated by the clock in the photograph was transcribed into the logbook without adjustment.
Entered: 9:25:55
